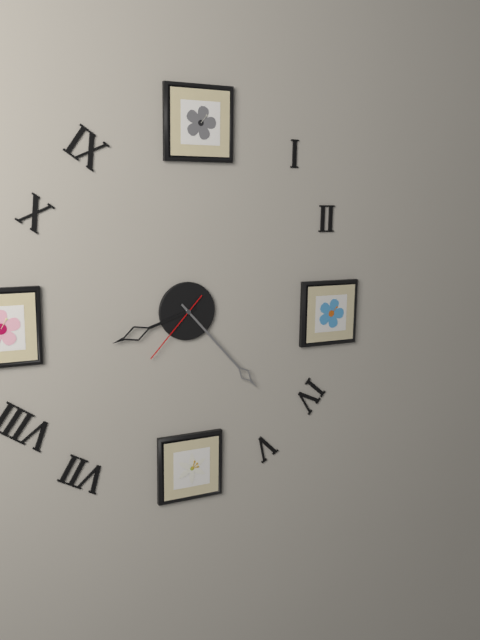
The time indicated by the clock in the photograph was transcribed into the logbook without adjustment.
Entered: 8:23:37
